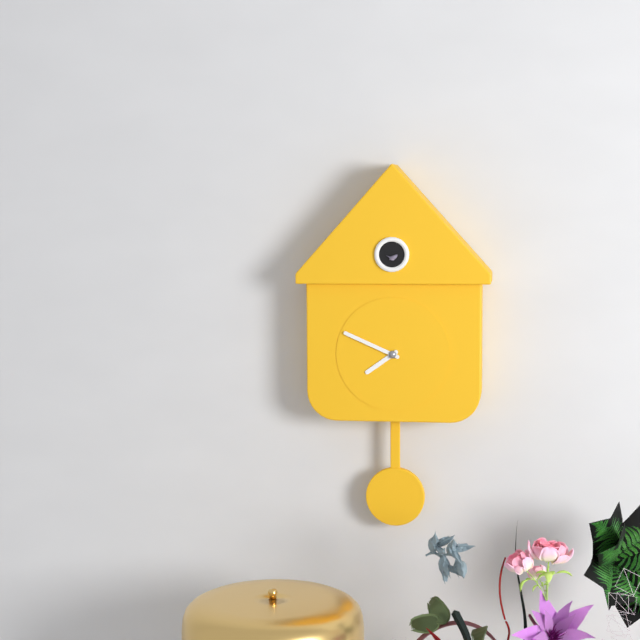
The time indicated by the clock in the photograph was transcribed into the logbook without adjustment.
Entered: 7:49
